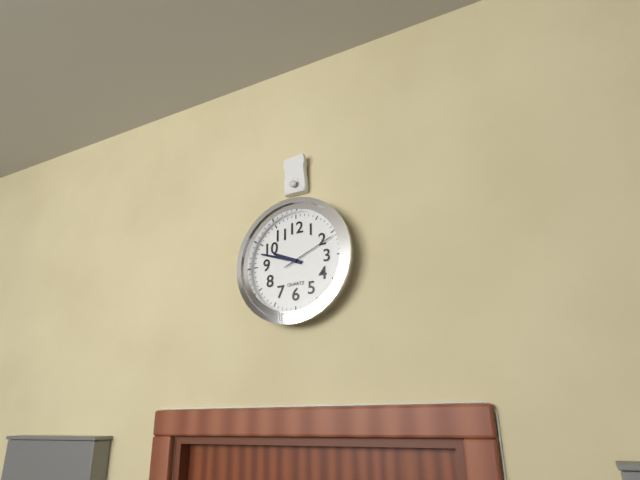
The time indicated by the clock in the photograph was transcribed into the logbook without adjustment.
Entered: 9:48:11
